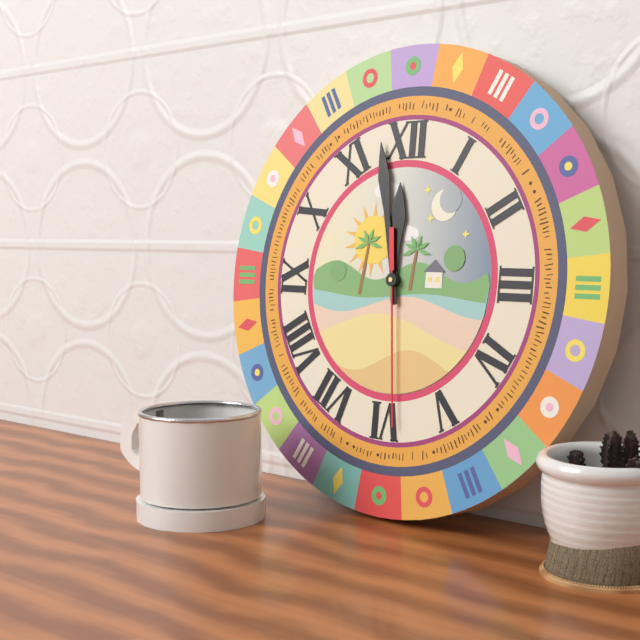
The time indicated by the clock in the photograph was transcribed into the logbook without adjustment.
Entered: 11:58:29
